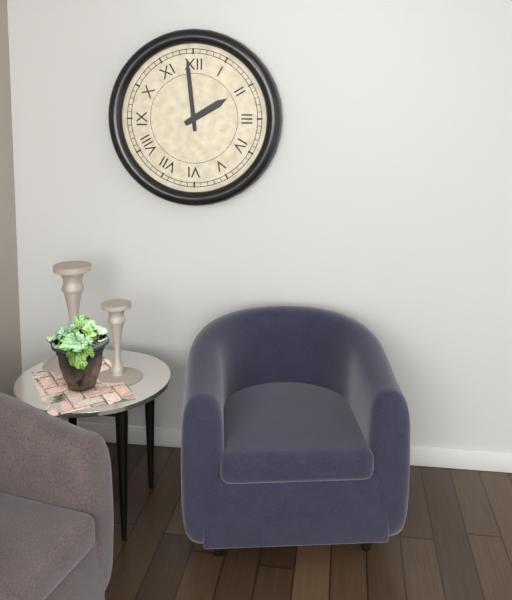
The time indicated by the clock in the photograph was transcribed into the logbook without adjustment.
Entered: 1:59
